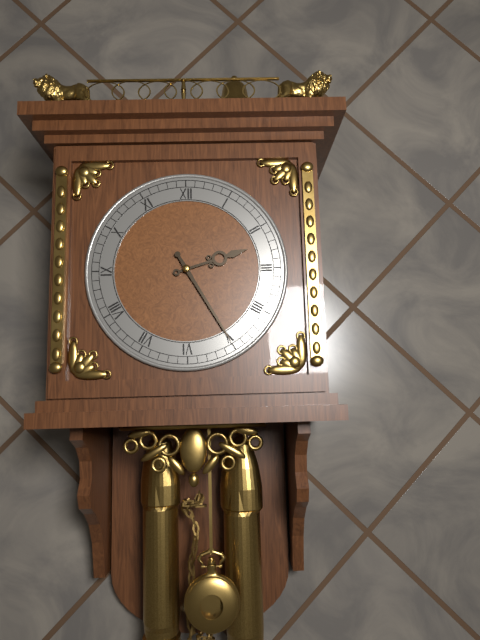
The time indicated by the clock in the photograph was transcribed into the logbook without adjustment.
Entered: 2:25
